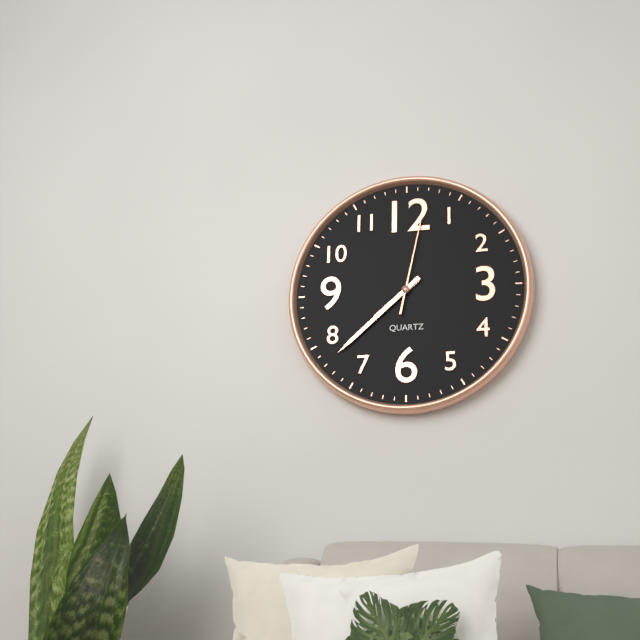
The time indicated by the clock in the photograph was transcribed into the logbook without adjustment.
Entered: 7:38:02
